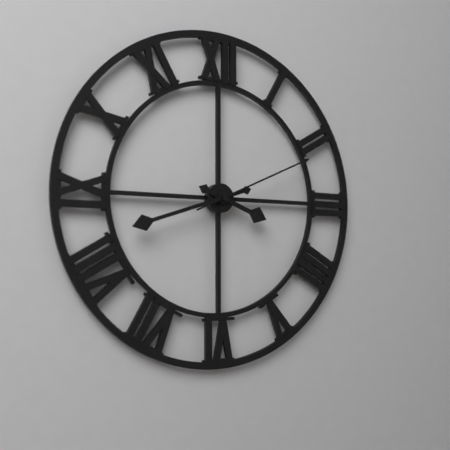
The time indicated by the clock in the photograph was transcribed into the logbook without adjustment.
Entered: 3:42:11
